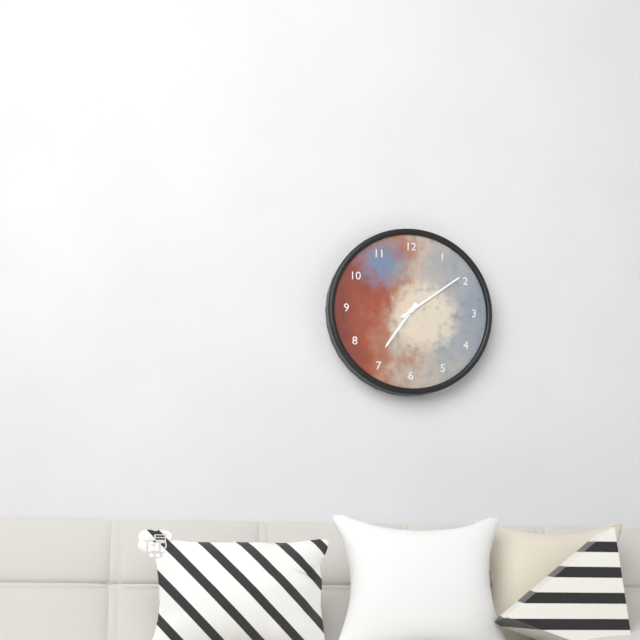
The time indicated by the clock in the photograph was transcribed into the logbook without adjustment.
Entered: 7:09
